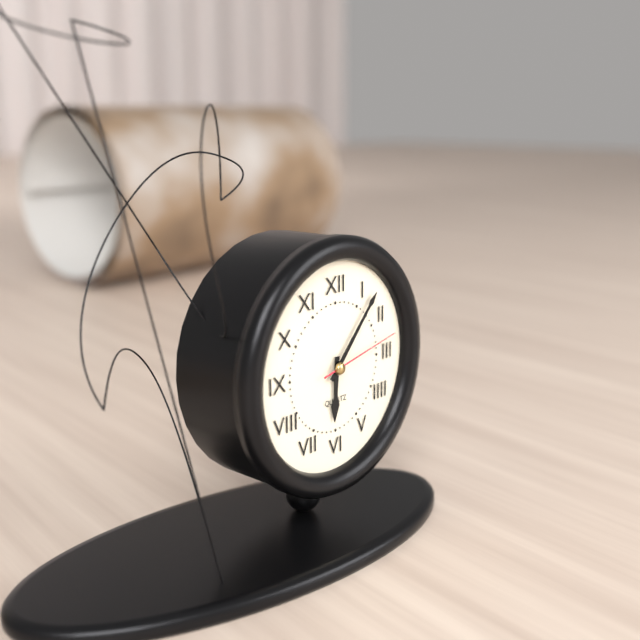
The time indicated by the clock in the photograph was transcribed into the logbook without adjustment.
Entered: 6:07:13
